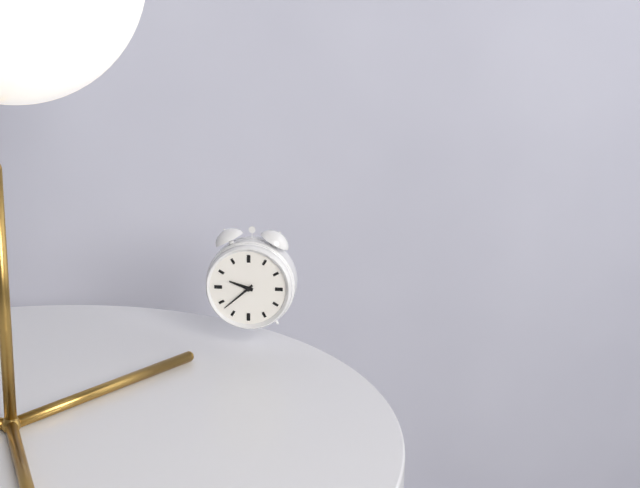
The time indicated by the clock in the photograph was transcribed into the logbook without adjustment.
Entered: 9:38
